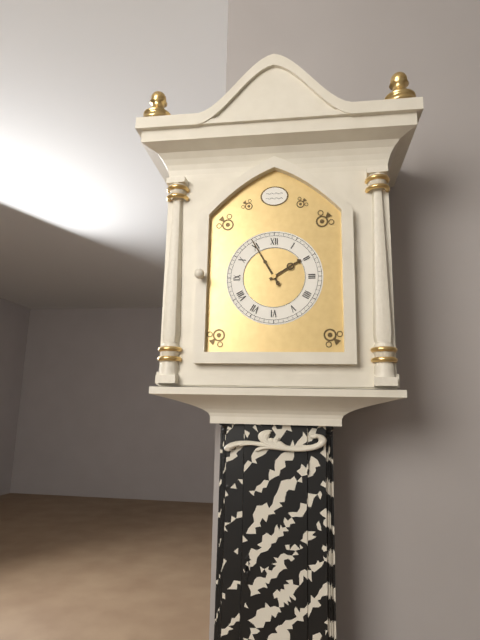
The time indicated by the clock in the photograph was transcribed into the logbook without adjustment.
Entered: 1:55
